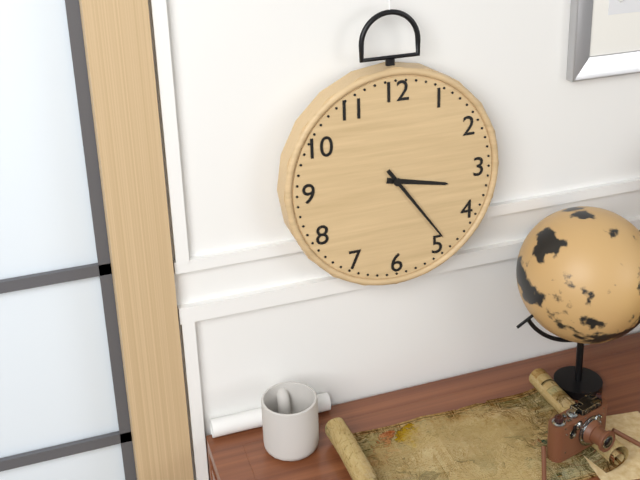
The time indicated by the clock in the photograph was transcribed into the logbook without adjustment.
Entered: 3:24
